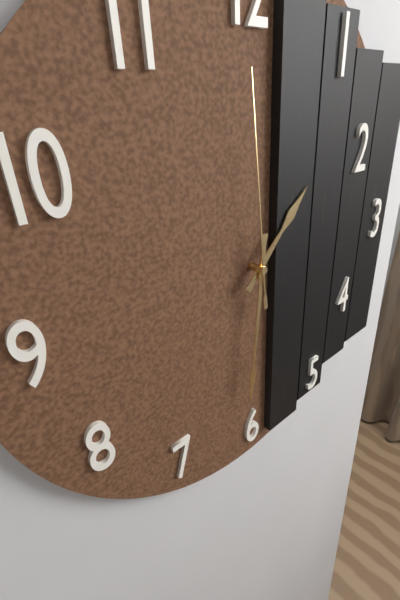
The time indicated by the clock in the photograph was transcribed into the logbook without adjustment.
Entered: 1:31:59
